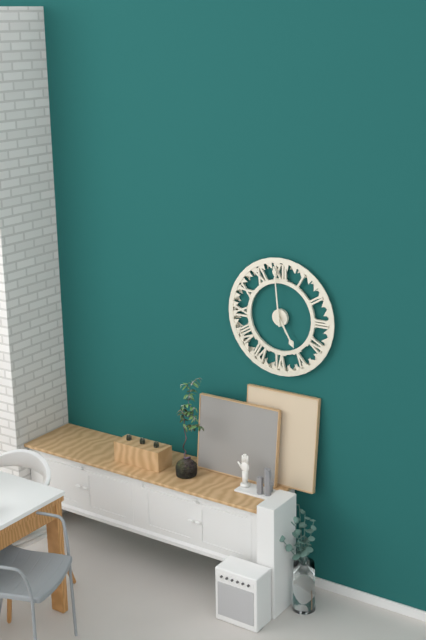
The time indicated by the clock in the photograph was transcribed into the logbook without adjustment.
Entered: 4:59
